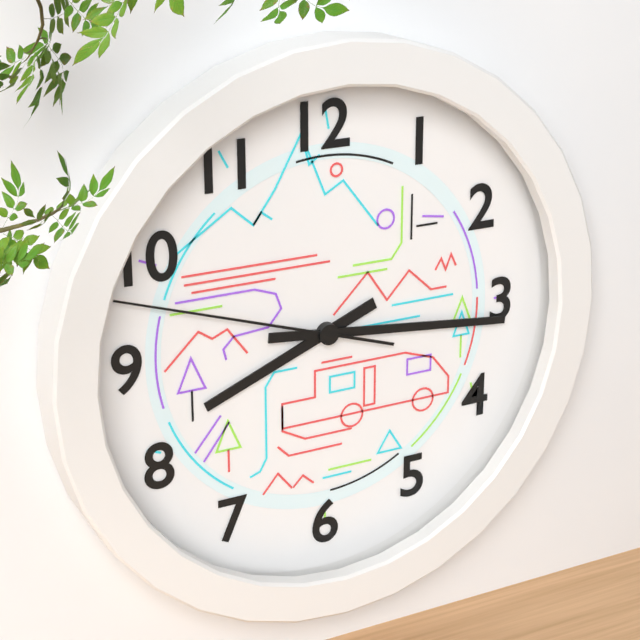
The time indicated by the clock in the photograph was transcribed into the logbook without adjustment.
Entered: 8:16:48
